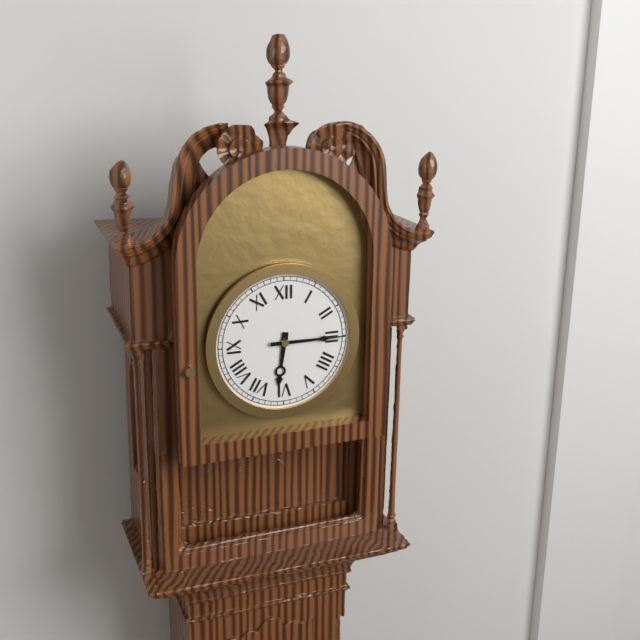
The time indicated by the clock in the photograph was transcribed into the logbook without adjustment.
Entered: 6:15
